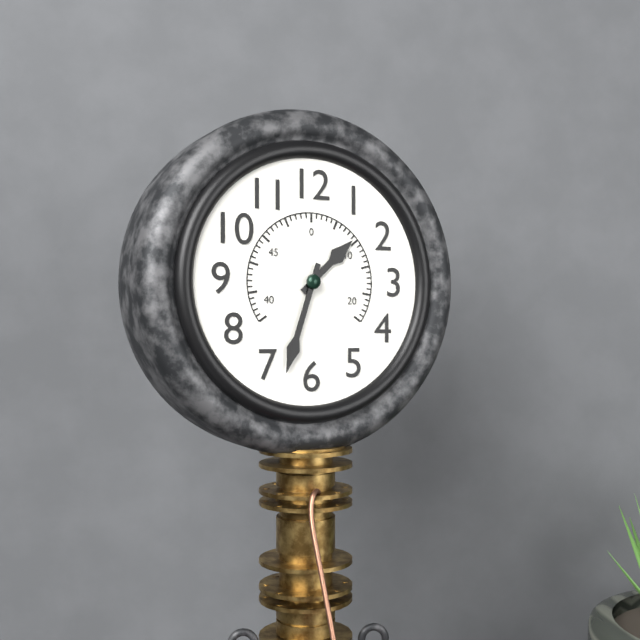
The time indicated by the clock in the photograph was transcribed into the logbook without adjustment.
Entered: 1:33
